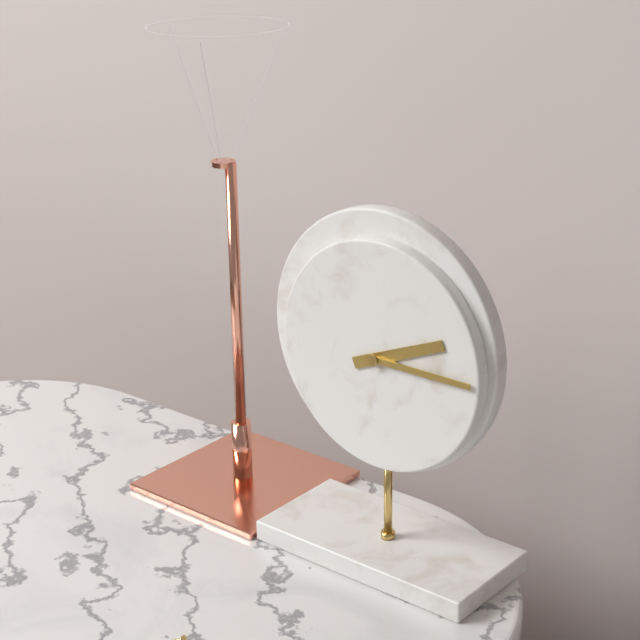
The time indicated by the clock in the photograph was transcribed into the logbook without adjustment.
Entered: 2:15
